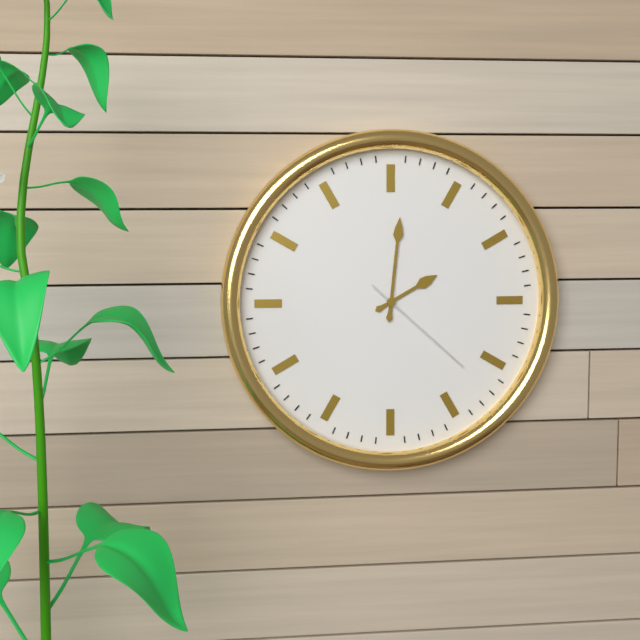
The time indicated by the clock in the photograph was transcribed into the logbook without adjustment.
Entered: 2:01:22
